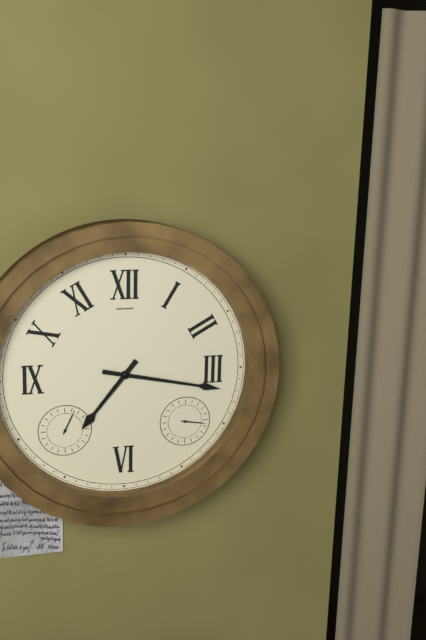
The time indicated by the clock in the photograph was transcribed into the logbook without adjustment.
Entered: 7:17
